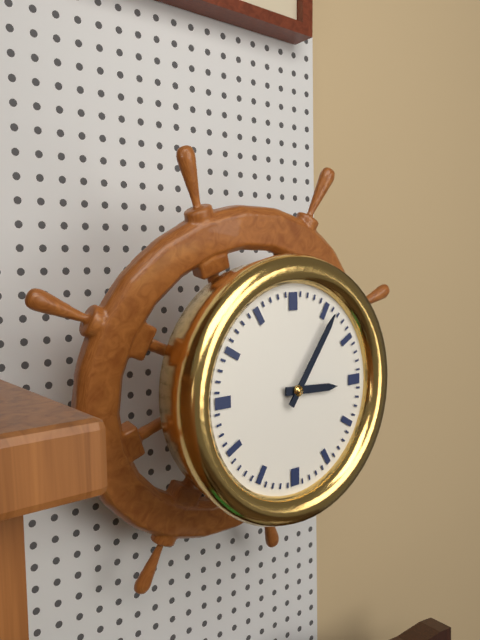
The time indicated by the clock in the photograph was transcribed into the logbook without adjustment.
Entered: 3:06
